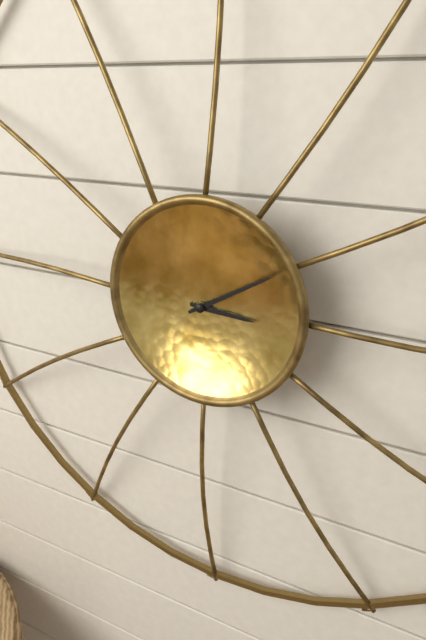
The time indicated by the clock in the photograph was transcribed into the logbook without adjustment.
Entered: 3:10
